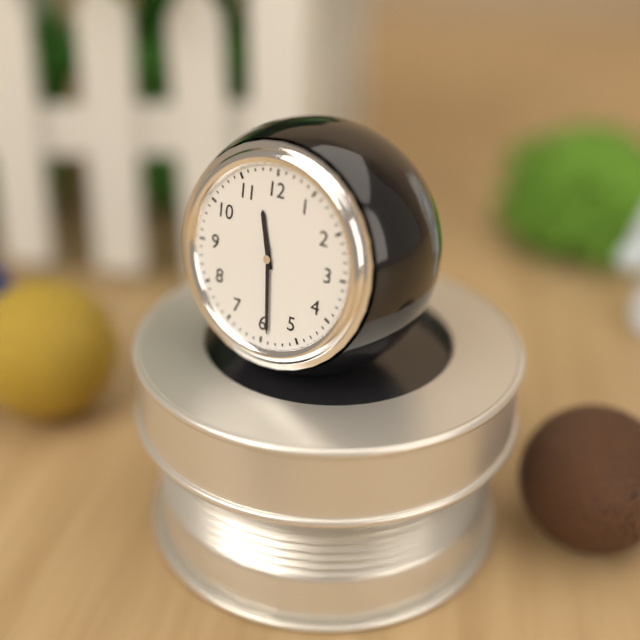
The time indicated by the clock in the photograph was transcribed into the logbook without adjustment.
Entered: 11:29
